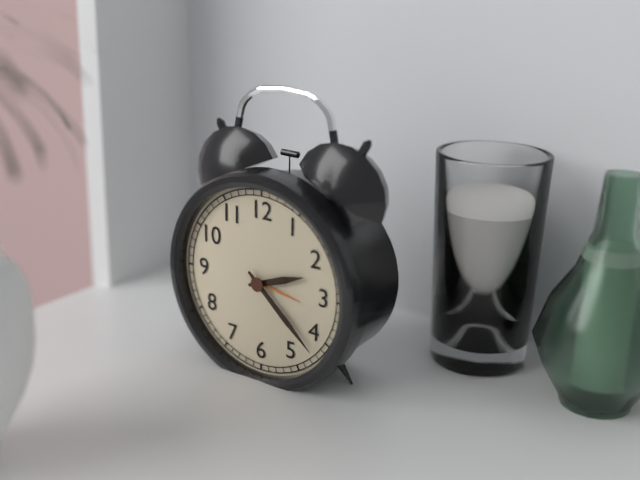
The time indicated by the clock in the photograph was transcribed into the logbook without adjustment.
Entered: 2:22
